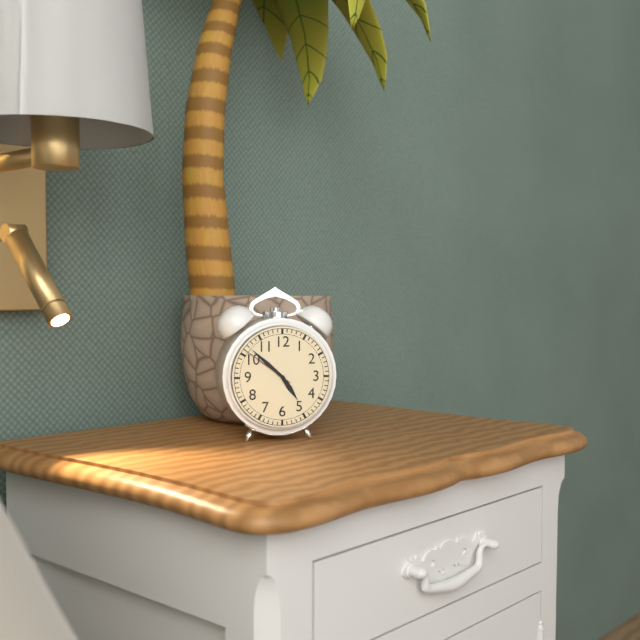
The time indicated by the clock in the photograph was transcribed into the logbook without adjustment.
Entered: 4:52:51
